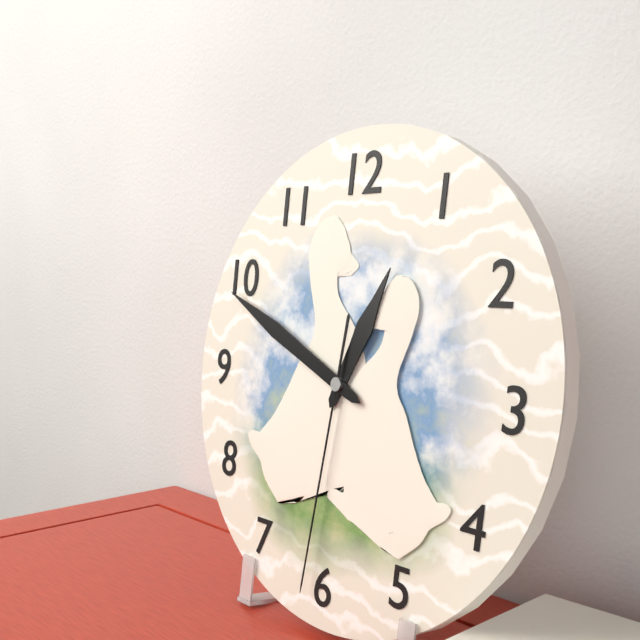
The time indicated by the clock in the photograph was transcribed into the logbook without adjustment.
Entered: 12:49:31
